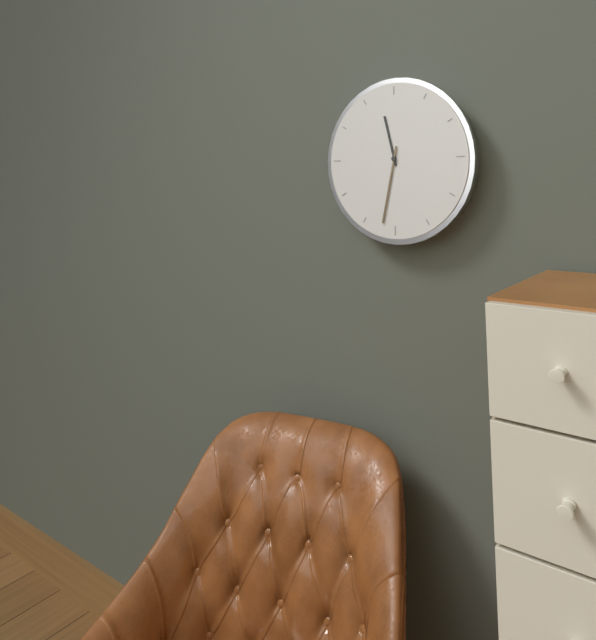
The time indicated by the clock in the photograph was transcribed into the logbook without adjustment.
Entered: 11:32
